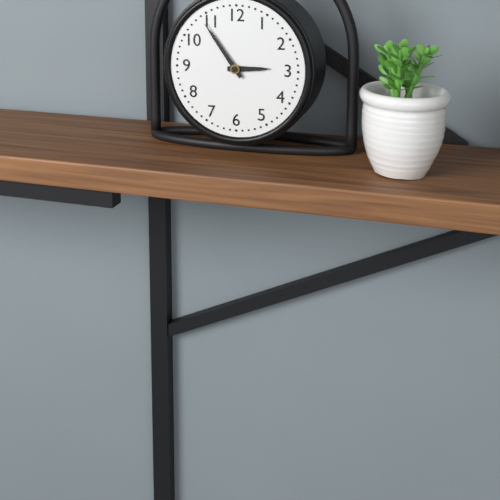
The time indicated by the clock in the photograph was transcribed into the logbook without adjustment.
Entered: 2:54
